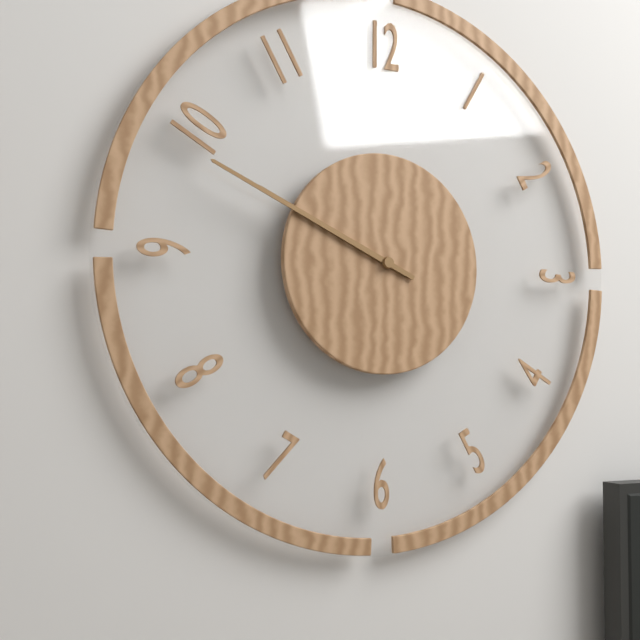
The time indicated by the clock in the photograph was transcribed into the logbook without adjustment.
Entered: 9:49
